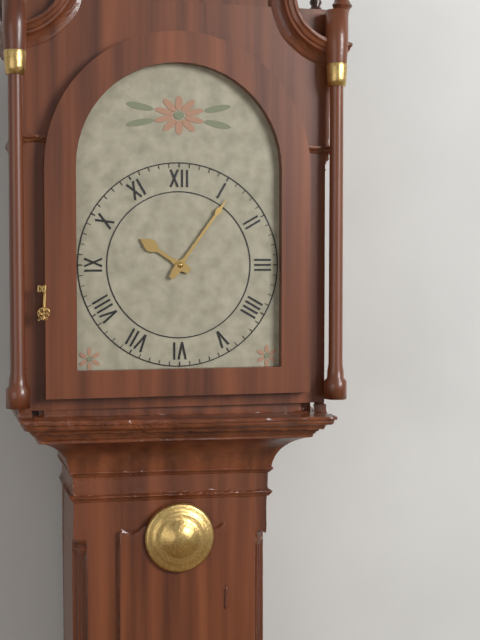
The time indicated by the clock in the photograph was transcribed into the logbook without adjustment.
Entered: 10:06
